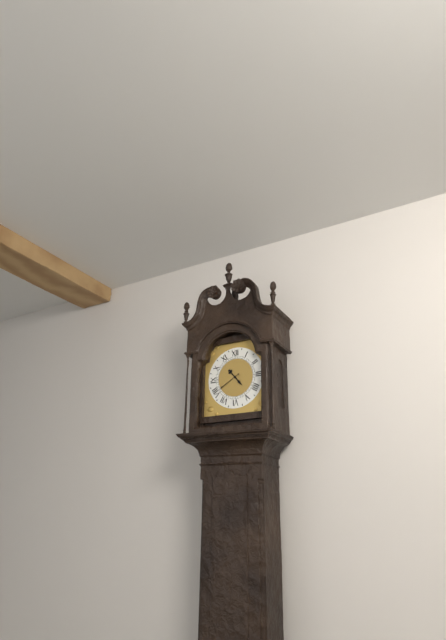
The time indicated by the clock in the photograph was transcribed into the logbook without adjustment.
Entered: 4:40
